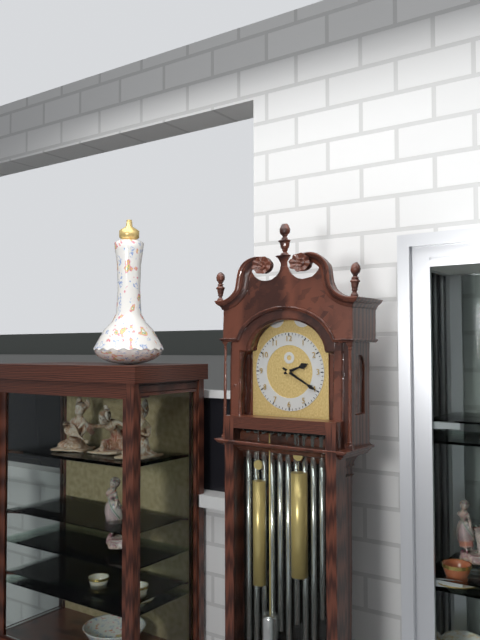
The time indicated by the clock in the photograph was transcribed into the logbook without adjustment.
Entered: 2:20
